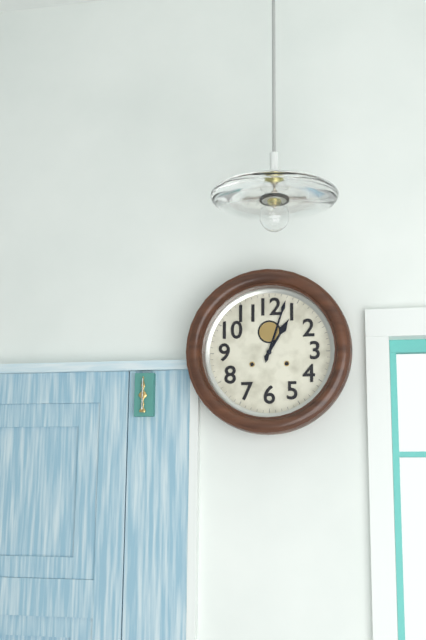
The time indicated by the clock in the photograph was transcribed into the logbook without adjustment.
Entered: 1:03
